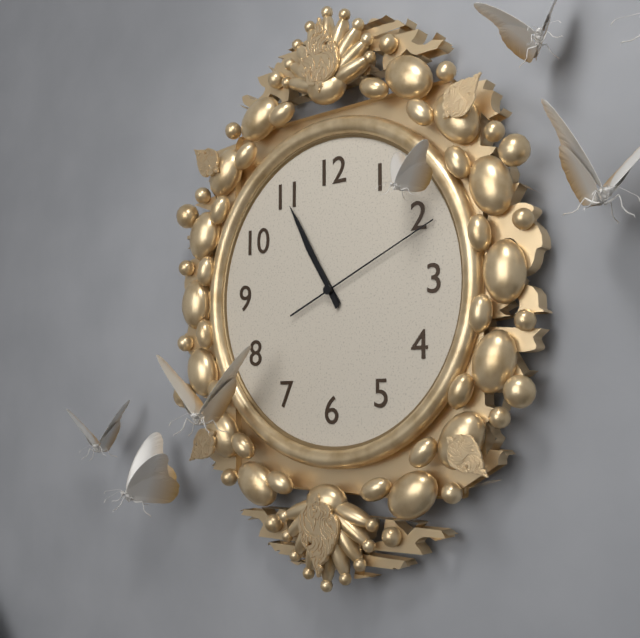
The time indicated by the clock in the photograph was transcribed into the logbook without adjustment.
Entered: 10:55:11
